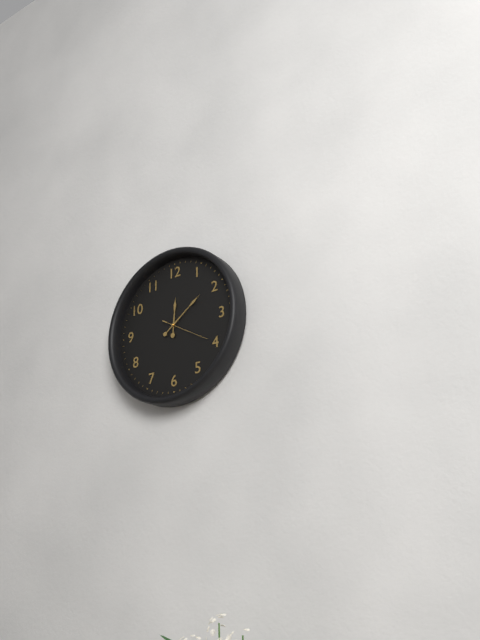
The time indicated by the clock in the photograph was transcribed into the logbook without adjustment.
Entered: 12:09
